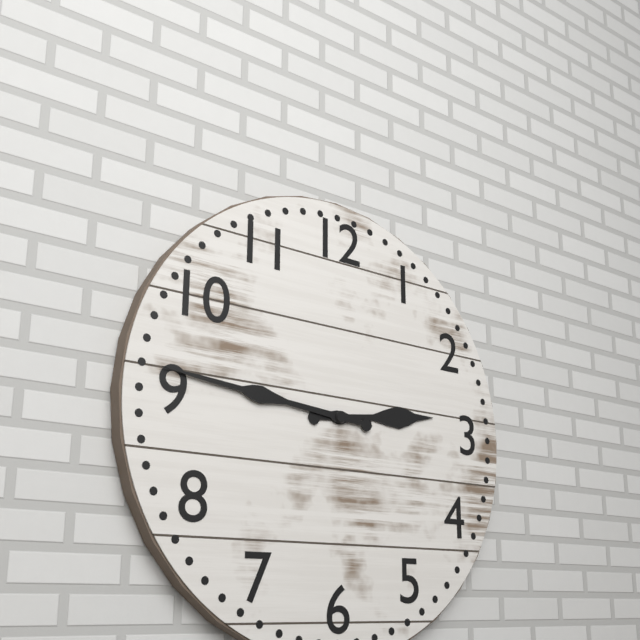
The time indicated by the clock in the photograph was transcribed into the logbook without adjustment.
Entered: 2:46
